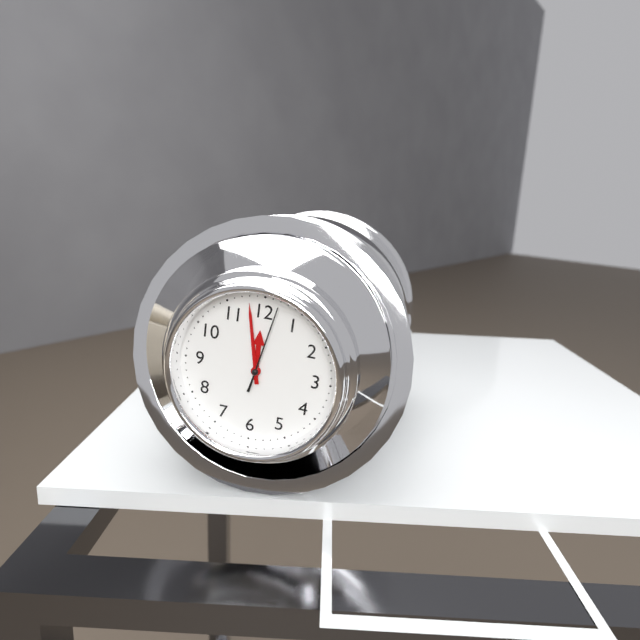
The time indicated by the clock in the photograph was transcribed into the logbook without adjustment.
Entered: 11:58:02
